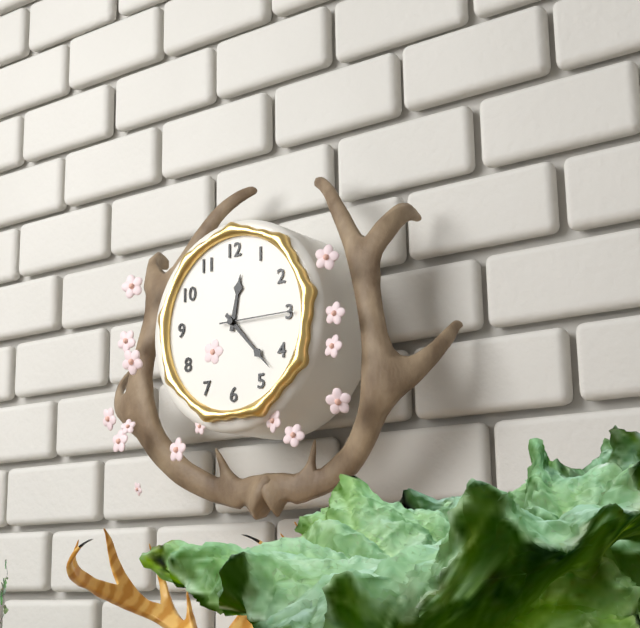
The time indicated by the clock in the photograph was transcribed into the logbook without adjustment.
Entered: 12:23:15
